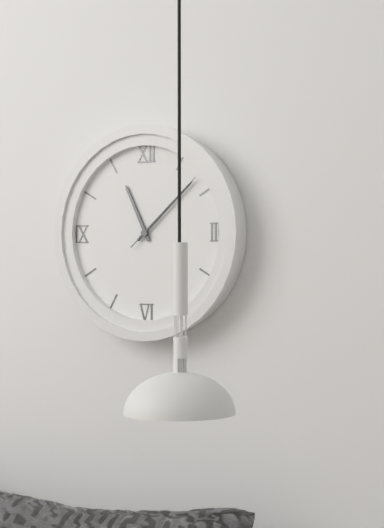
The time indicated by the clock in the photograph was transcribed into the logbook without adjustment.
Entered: 11:08:08
